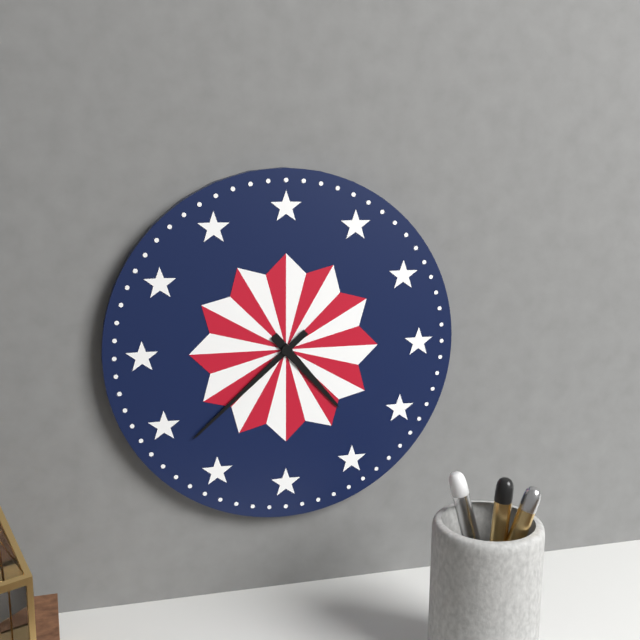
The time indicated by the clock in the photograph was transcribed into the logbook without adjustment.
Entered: 4:38
